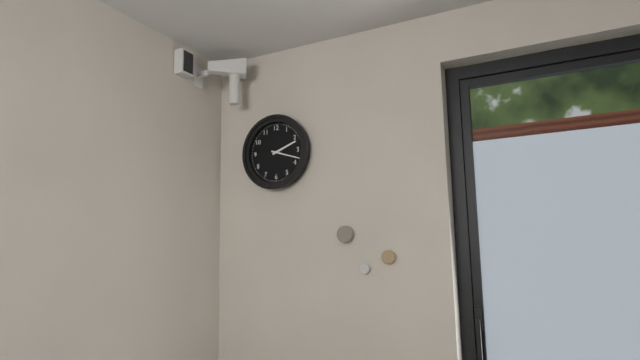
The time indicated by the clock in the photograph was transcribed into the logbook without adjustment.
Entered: 2:18
